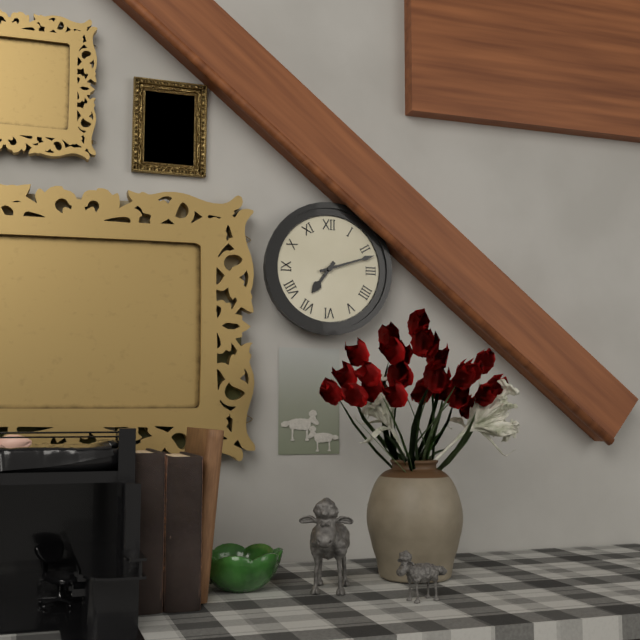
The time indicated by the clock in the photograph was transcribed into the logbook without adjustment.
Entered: 7:12
